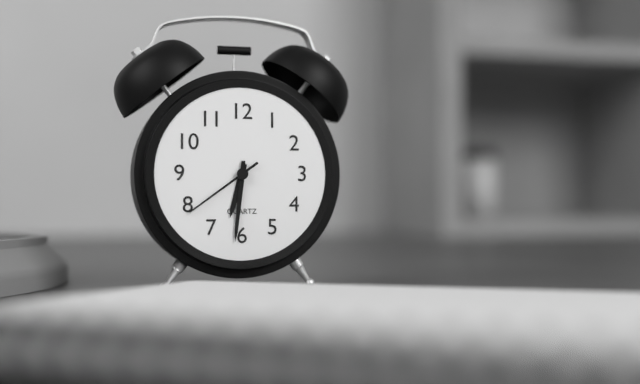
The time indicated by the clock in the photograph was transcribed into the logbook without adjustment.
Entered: 6:31:39
